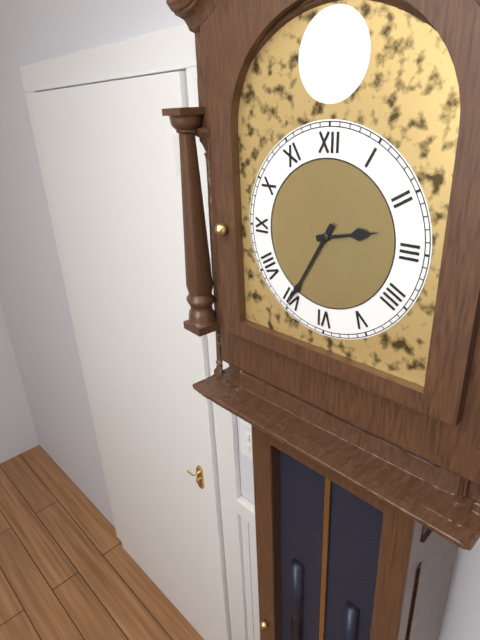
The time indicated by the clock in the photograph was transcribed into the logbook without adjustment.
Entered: 2:35
